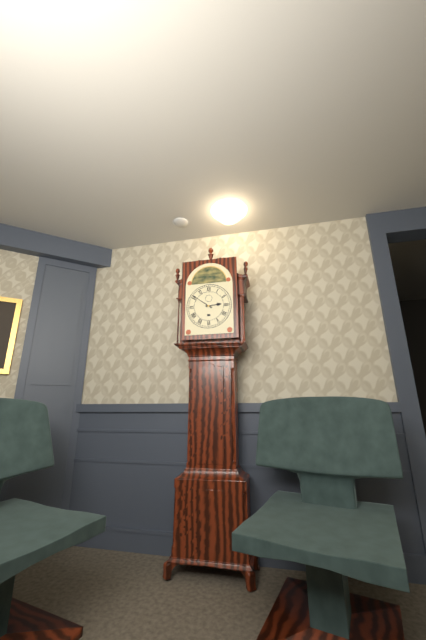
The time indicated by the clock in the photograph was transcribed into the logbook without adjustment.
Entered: 2:51
